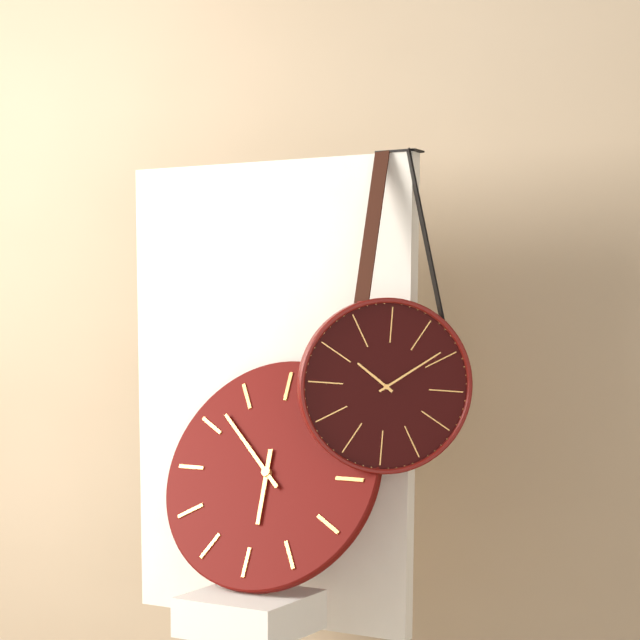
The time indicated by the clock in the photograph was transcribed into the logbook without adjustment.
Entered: 5:52
